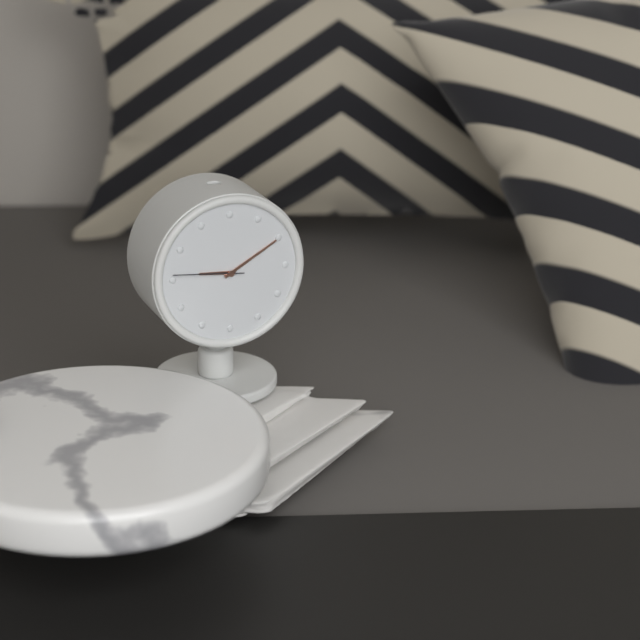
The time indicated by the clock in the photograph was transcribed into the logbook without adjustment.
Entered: 9:10:46
